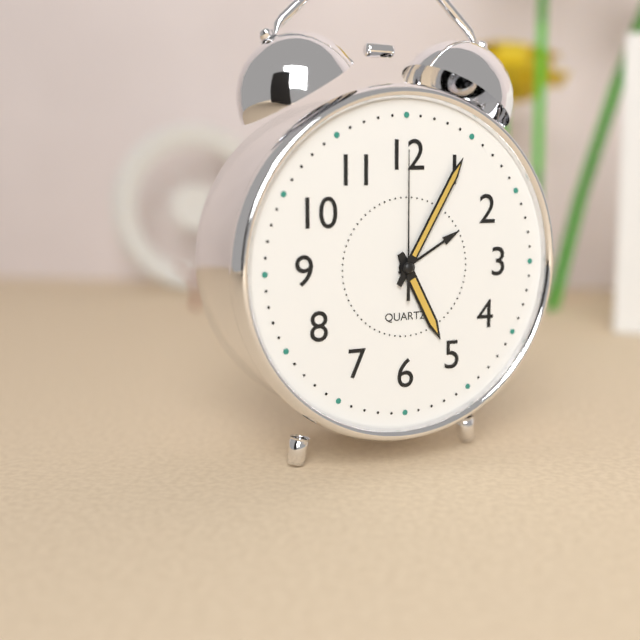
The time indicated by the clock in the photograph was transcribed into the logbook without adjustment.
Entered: 5:05:00
